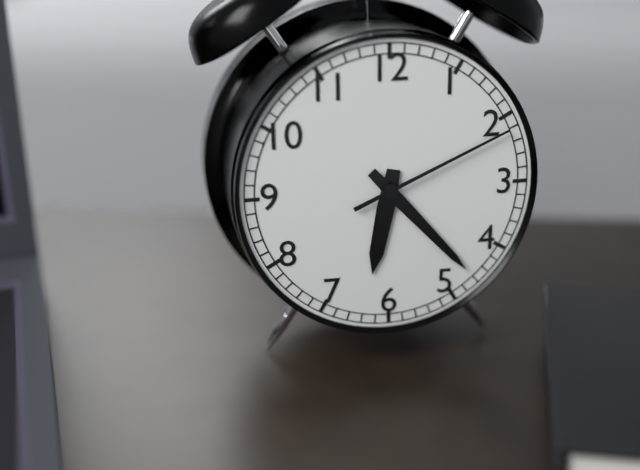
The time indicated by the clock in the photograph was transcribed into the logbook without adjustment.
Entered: 6:23:11
